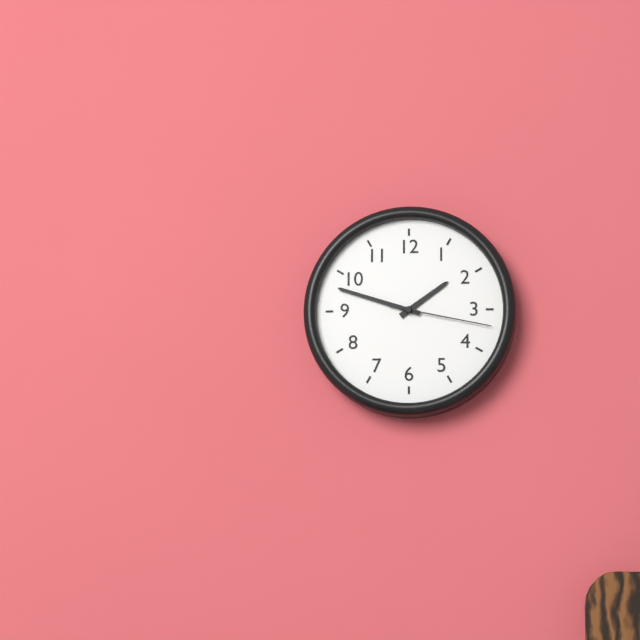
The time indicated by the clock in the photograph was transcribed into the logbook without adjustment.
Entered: 1:48:17
